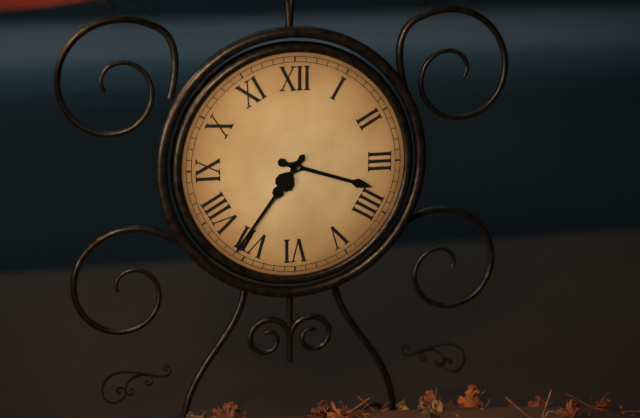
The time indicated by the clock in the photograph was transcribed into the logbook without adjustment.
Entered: 3:36
